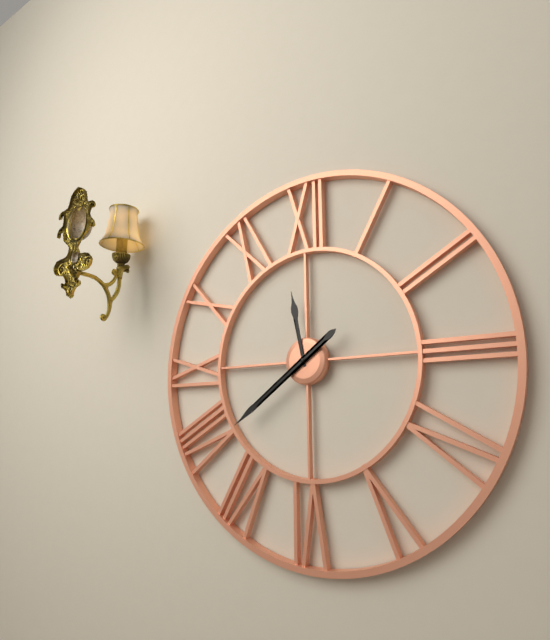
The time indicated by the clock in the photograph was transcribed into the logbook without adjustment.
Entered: 11:39
